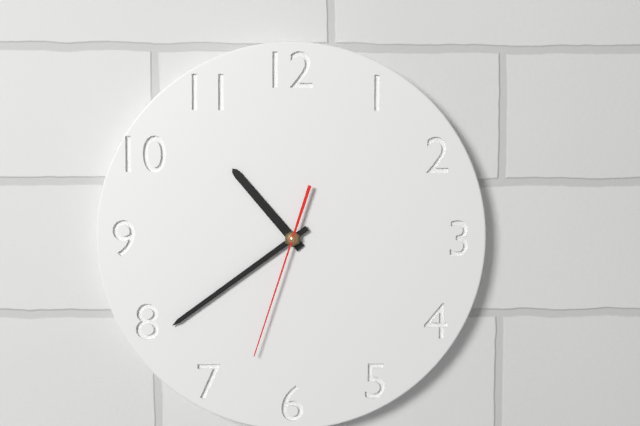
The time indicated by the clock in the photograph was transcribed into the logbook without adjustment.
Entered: 10:39:33
